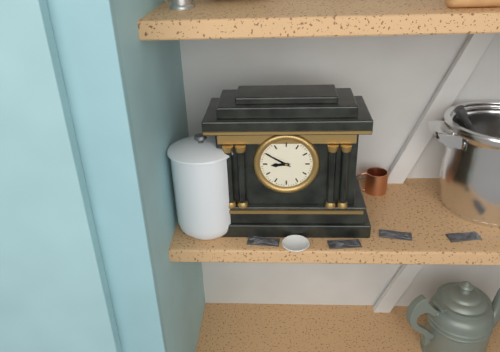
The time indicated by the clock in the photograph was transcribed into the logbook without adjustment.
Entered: 8:50
